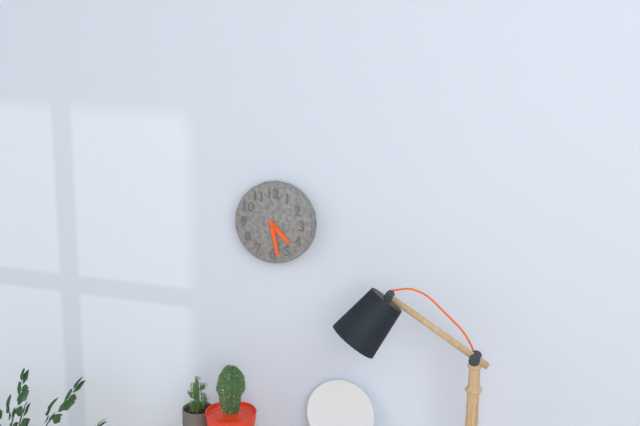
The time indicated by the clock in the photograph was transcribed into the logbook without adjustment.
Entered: 4:28
